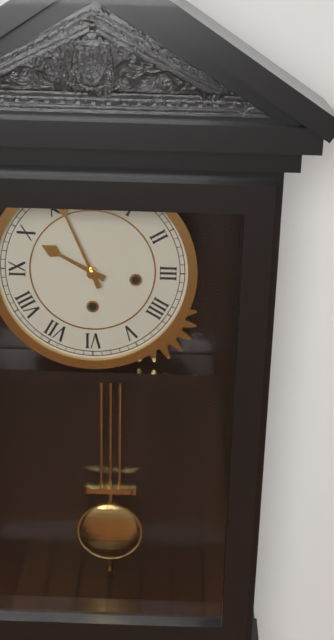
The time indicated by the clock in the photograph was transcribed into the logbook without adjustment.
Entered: 9:56
